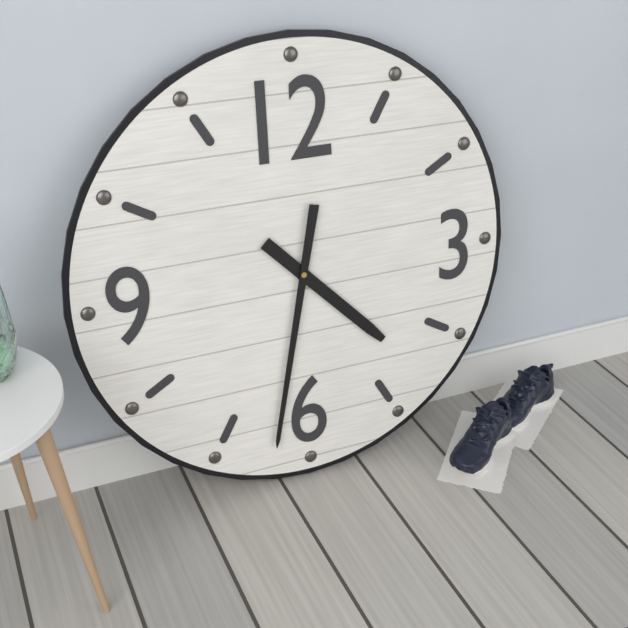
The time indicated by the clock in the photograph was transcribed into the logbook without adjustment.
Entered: 4:32
